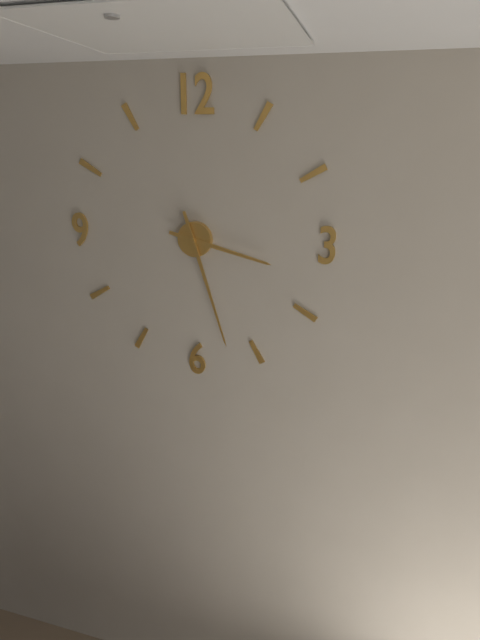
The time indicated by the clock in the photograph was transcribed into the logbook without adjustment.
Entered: 3:27
